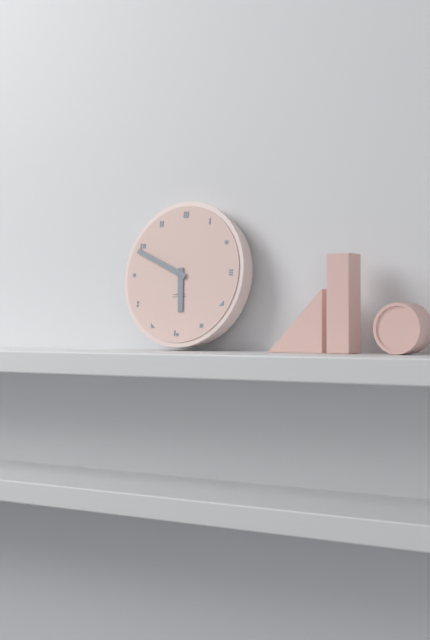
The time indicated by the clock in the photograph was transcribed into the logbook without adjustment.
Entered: 5:49
